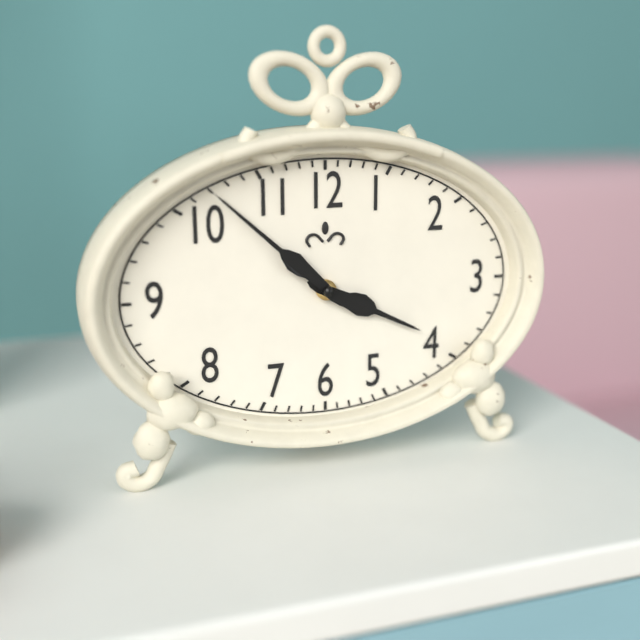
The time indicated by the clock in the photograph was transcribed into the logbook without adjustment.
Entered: 3:52
